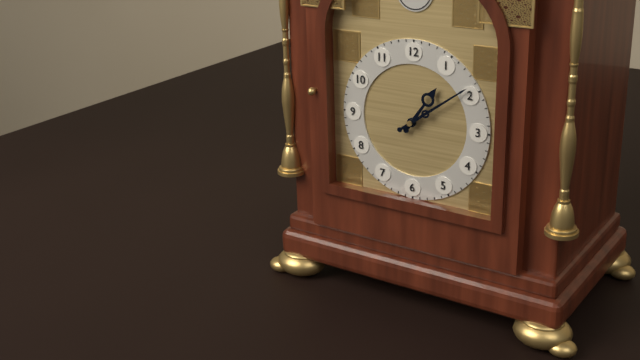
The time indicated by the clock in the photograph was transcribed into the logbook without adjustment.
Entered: 1:09
